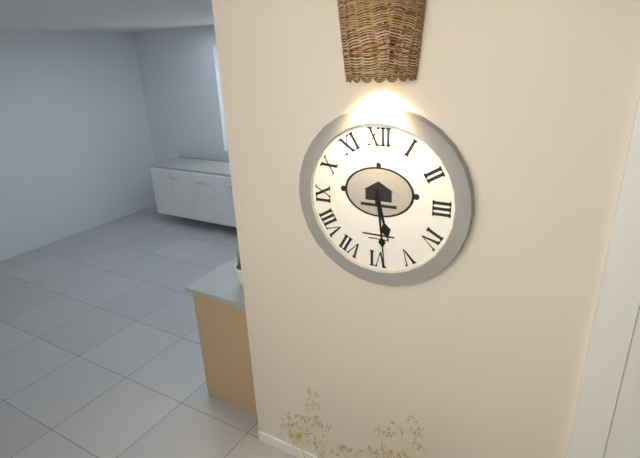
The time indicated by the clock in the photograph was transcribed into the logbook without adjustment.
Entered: 5:29
